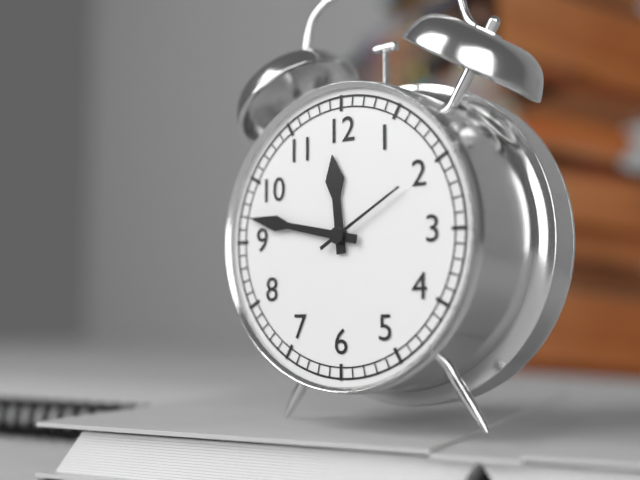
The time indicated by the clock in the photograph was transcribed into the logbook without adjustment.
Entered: 11:47:10
